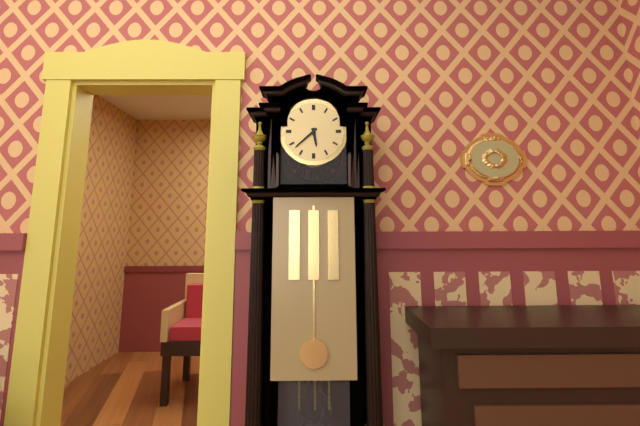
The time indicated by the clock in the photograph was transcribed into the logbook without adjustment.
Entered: 5:38
